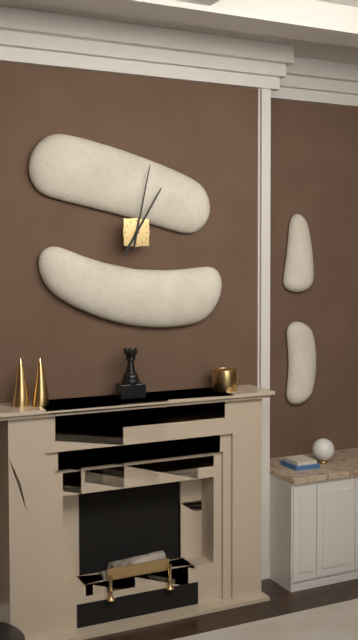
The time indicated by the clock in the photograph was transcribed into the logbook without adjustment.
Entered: 1:02
